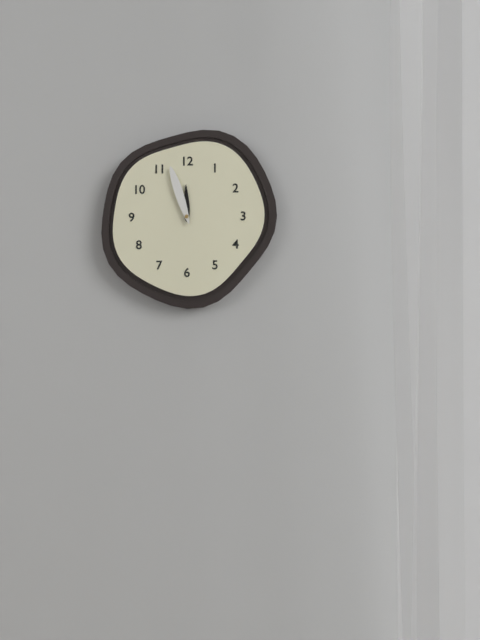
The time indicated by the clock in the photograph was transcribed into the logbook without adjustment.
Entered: 11:57
